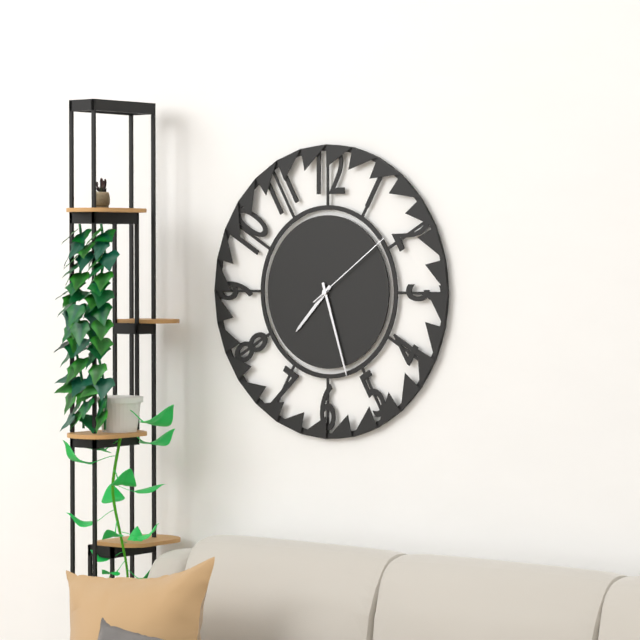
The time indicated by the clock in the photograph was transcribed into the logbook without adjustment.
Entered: 7:27:09
